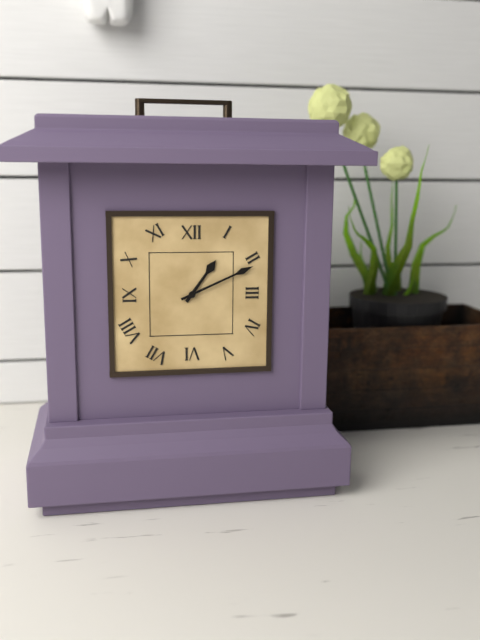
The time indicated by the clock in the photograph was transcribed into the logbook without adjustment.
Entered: 1:11
